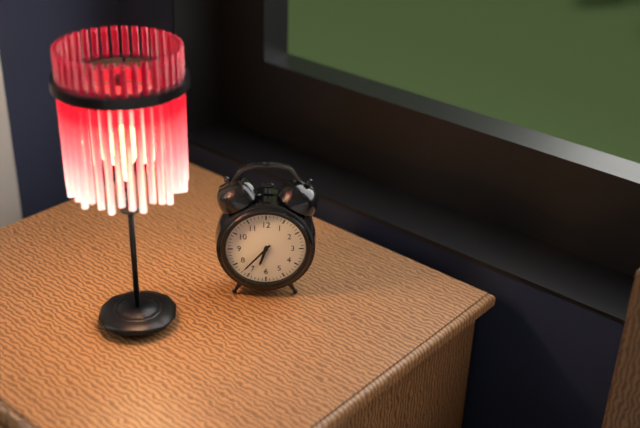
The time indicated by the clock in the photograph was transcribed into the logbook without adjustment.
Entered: 6:37
